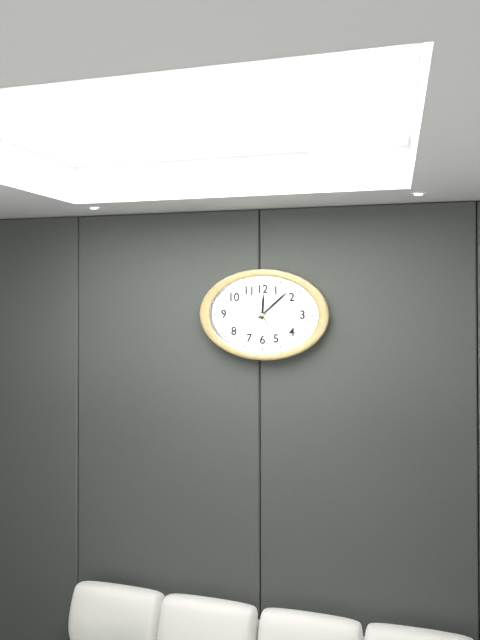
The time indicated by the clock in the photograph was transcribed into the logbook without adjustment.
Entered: 12:08
